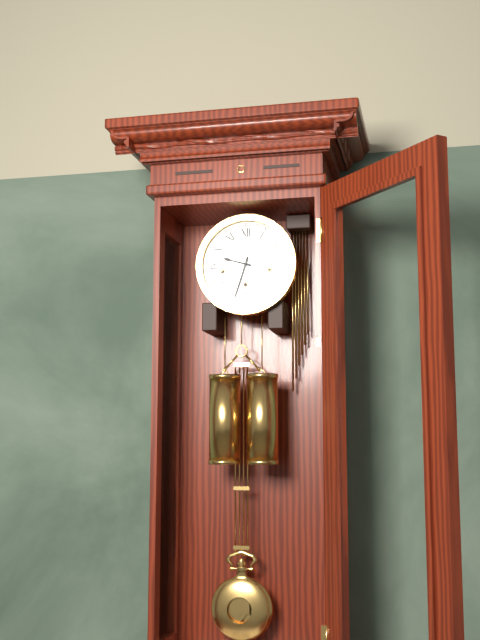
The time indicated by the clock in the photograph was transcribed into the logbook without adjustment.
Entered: 9:33
